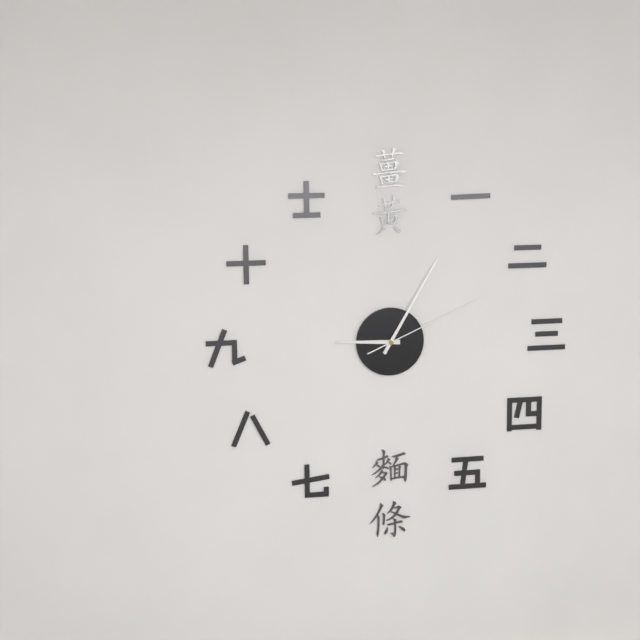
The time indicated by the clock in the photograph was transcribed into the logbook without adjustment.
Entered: 9:05:11
